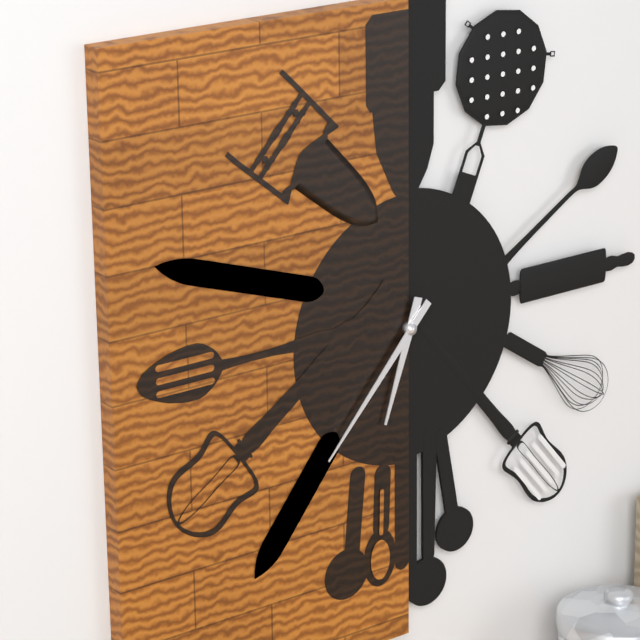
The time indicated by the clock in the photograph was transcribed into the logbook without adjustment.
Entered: 6:37
